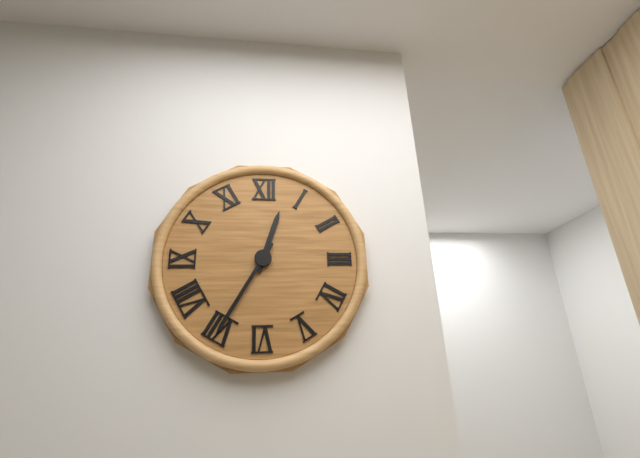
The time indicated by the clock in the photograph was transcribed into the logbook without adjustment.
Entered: 12:35
